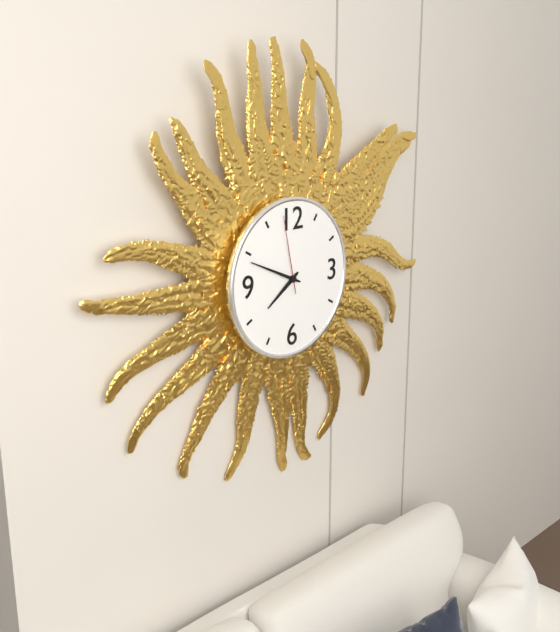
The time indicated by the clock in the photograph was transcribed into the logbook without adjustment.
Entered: 7:49:58
